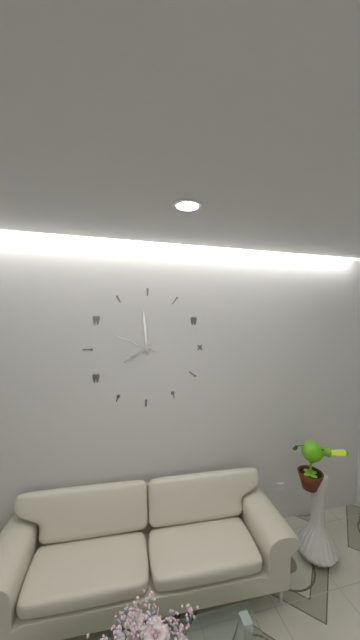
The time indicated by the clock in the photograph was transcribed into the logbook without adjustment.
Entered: 7:59
